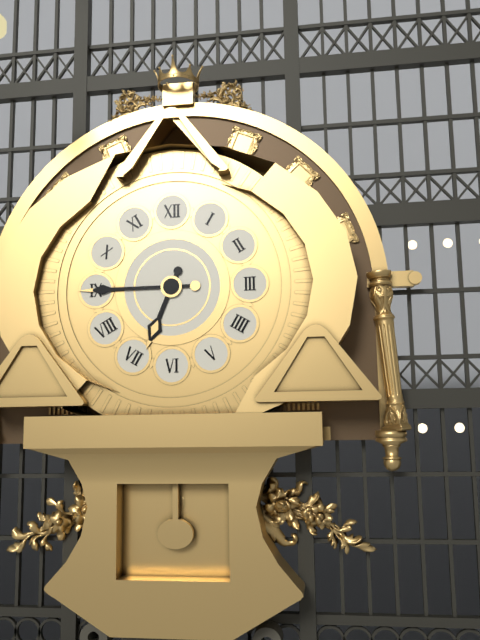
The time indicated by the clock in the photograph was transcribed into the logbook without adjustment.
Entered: 6:45
